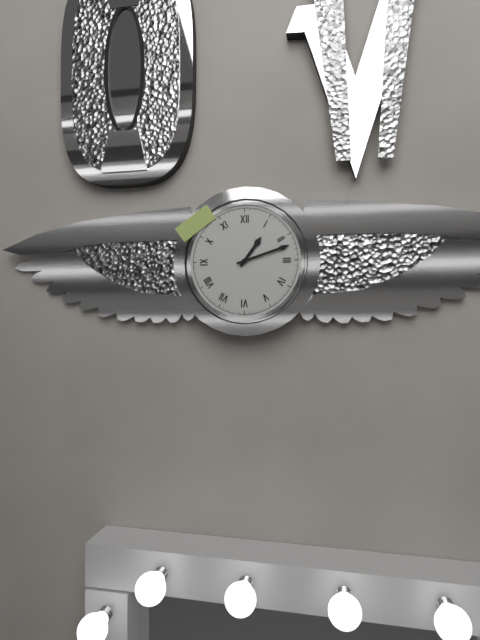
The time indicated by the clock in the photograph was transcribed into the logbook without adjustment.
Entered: 1:12
